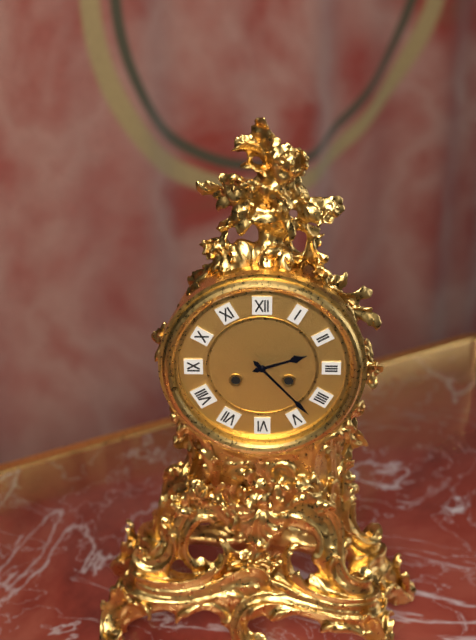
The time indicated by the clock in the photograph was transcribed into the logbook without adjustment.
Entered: 2:23
